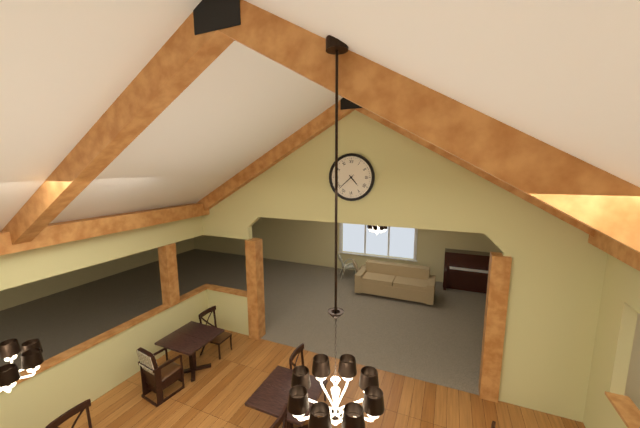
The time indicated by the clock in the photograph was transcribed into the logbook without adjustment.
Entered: 4:38
